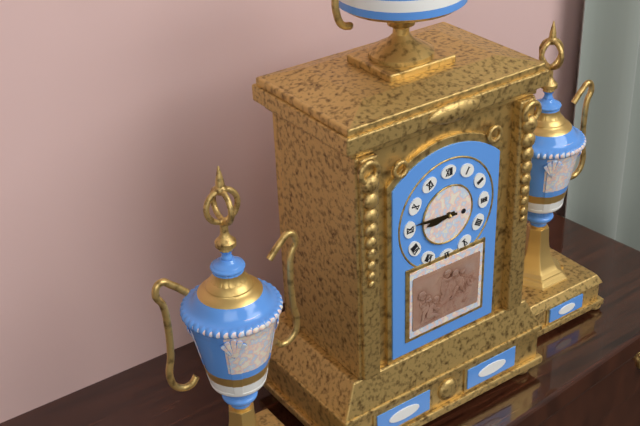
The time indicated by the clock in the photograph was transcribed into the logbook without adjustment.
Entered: 8:46
